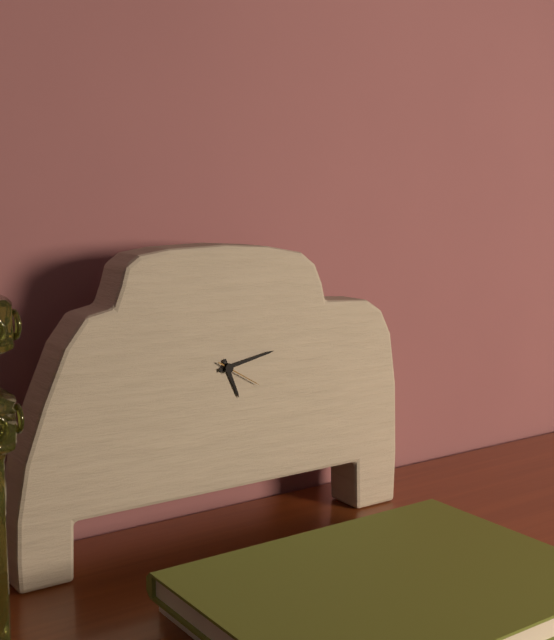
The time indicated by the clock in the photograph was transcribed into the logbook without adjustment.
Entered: 5:13
